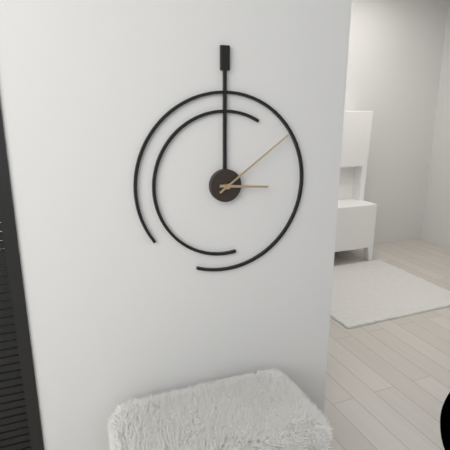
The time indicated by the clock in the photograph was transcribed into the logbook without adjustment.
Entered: 3:09
